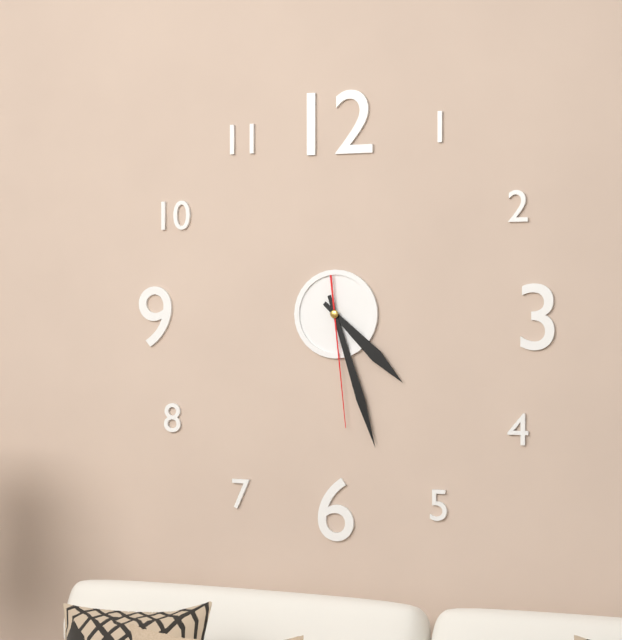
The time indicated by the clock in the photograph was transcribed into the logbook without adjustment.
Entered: 4:27:29
